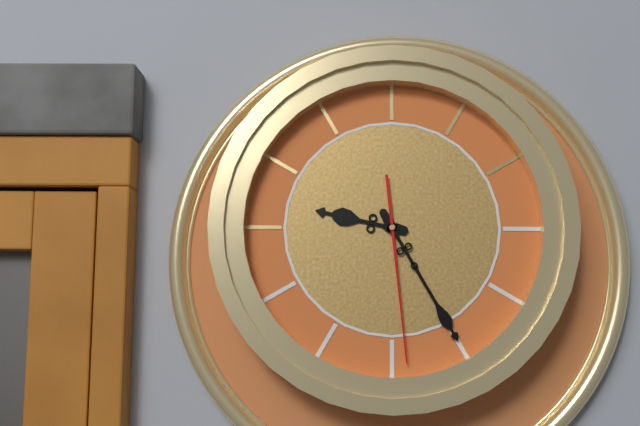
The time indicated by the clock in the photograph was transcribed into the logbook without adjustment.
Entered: 9:25:29
